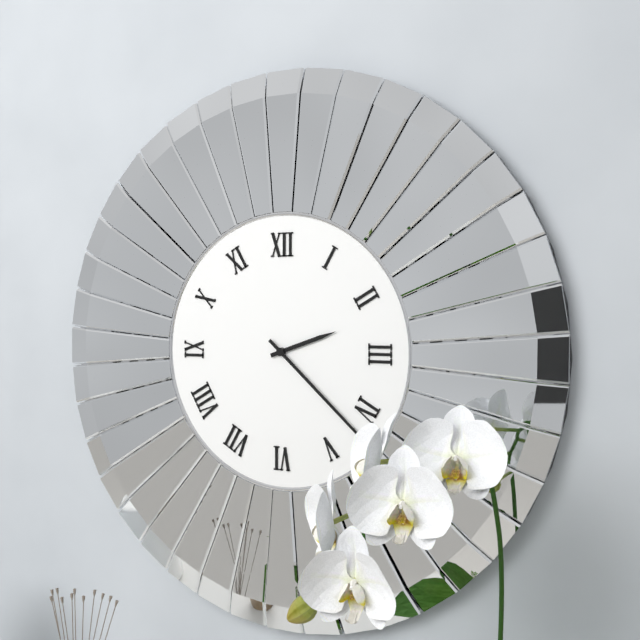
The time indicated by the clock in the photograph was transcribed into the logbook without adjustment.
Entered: 2:22
